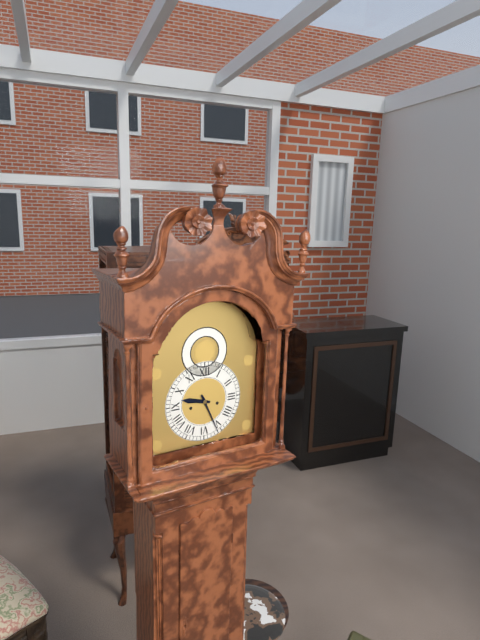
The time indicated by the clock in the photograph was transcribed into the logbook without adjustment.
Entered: 9:26
